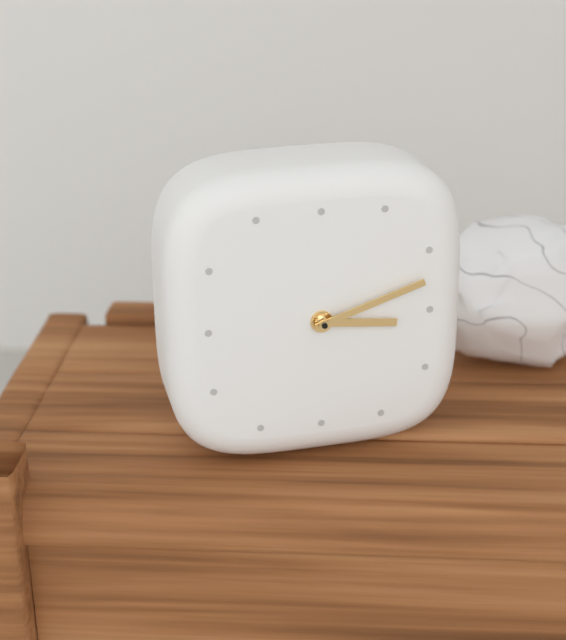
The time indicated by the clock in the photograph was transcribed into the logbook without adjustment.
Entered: 3:12
